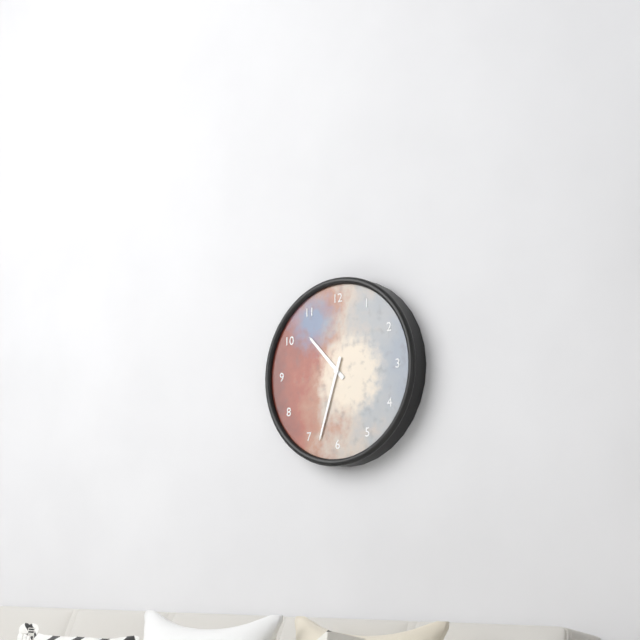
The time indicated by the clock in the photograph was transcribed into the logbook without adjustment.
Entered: 10:33
